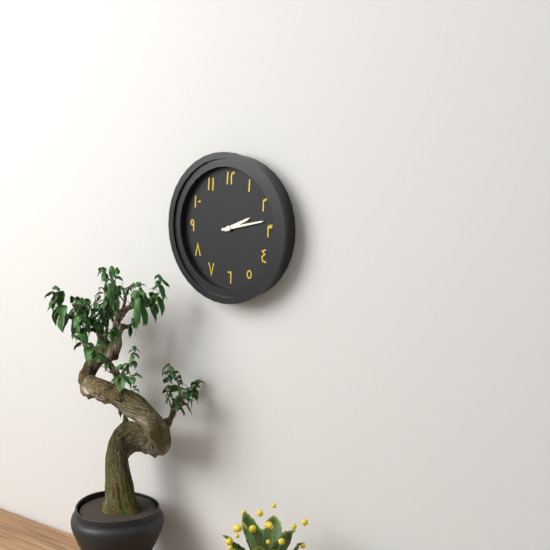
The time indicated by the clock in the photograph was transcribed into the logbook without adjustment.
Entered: 2:13
